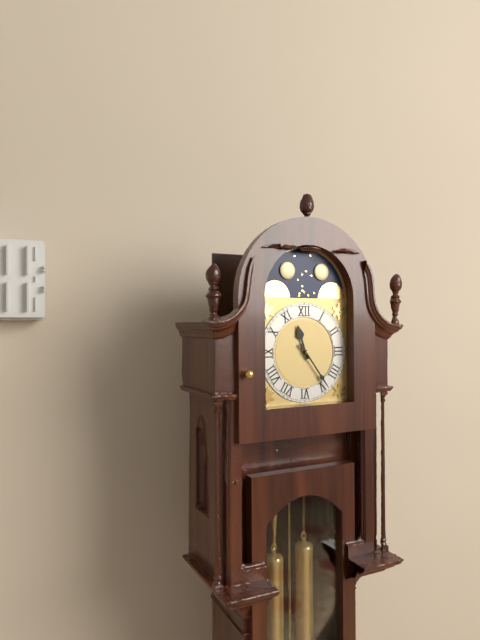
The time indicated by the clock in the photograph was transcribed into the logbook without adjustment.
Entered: 11:24
